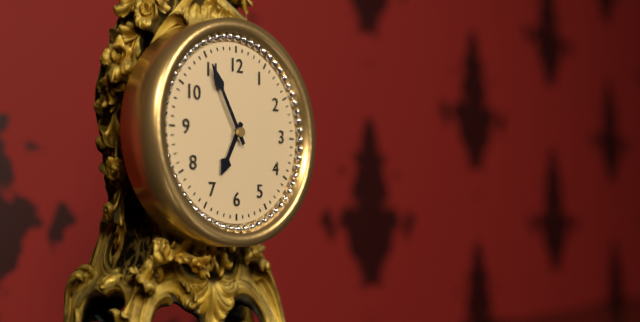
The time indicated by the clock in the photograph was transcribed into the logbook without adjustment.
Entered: 6:55
